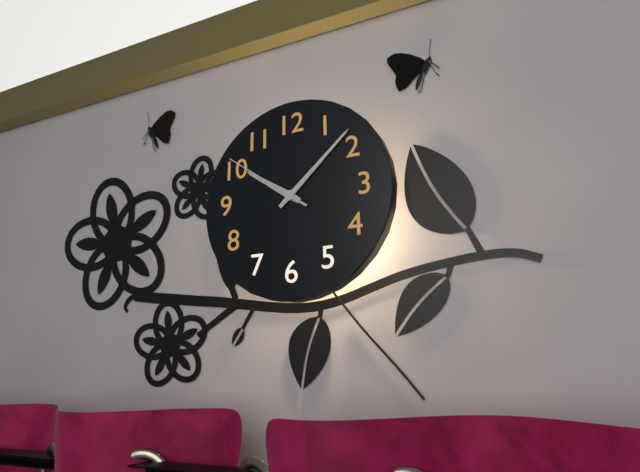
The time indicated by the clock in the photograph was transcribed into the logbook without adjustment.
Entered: 10:08:51
